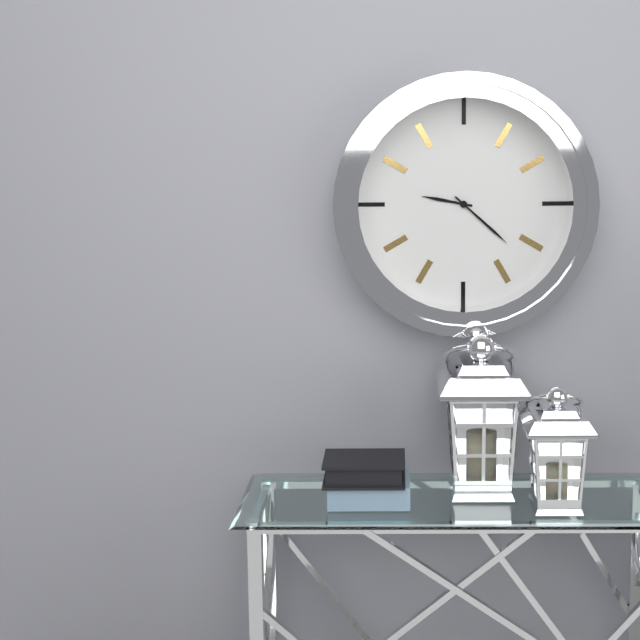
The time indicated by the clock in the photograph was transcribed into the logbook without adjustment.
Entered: 9:22
